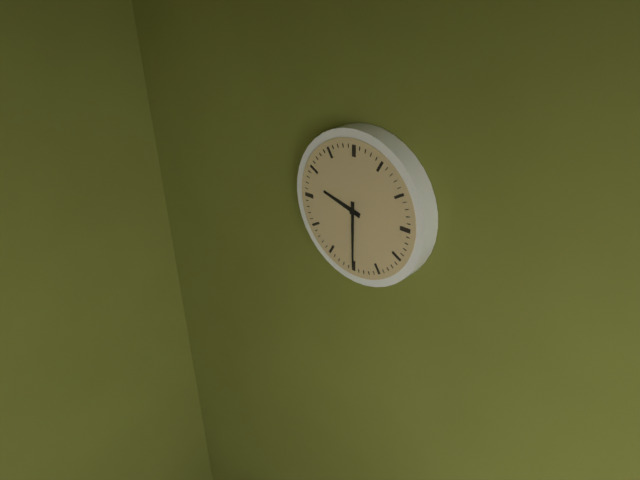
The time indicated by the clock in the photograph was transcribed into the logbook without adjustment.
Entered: 9:30
